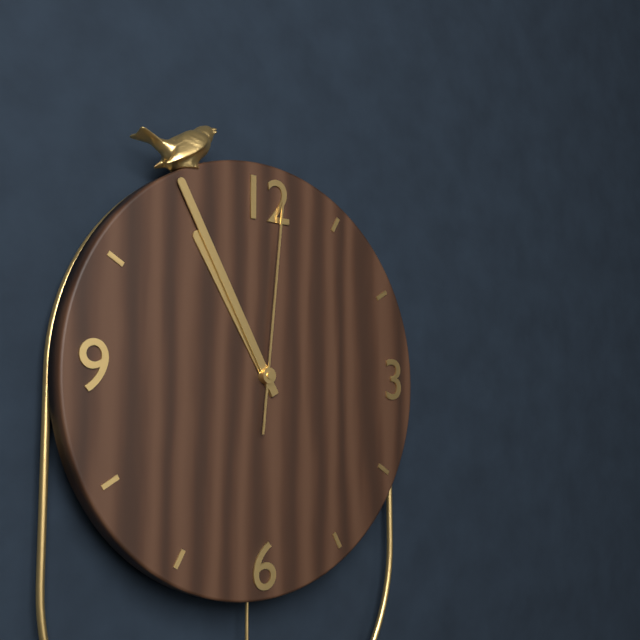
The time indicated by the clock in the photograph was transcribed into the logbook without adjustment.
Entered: 10:55:01
